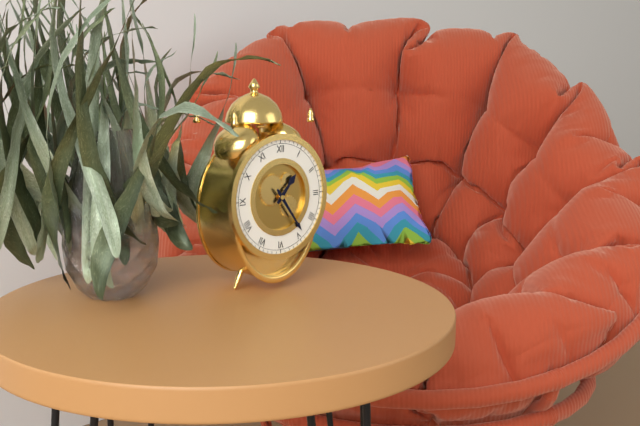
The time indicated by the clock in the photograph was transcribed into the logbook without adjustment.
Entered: 1:24
